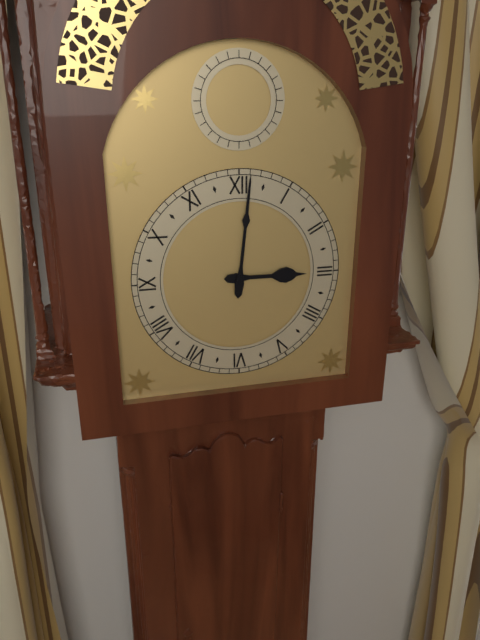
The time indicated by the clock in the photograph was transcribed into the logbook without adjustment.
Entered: 3:01
